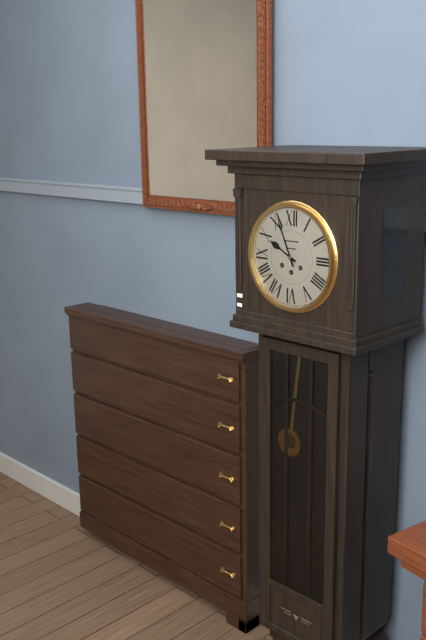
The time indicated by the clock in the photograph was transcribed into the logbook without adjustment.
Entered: 9:56
